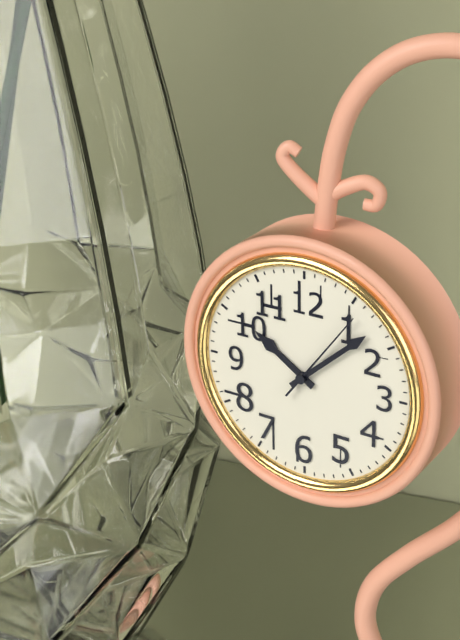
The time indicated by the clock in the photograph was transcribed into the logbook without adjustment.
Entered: 10:08:06
